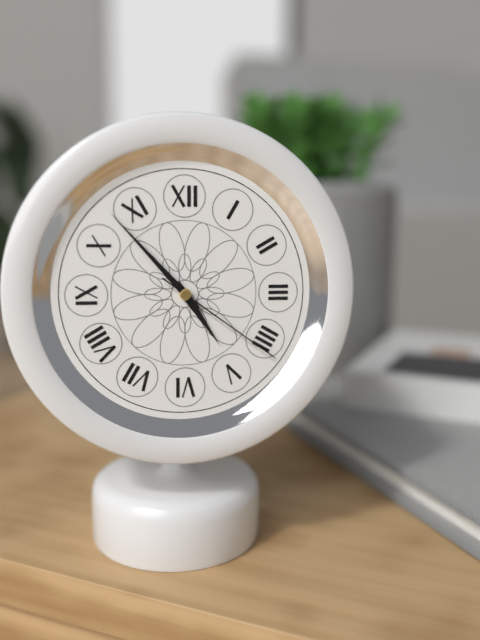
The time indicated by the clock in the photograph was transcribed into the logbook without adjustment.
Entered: 4:53:21
